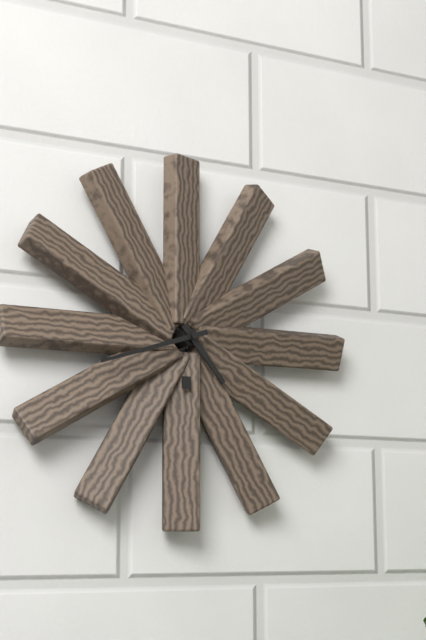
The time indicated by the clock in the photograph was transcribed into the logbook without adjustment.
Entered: 4:42
